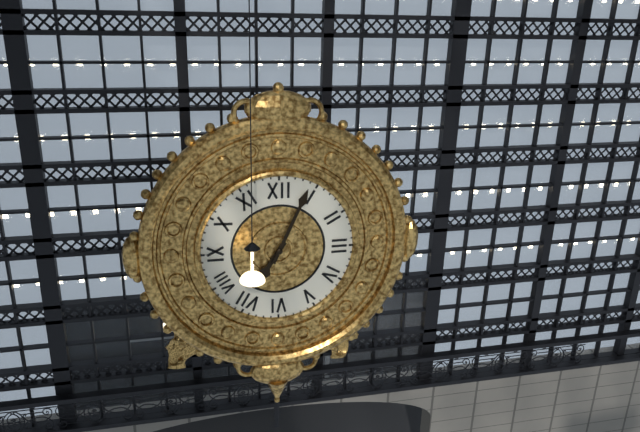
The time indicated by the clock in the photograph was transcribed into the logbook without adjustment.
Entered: 7:04
